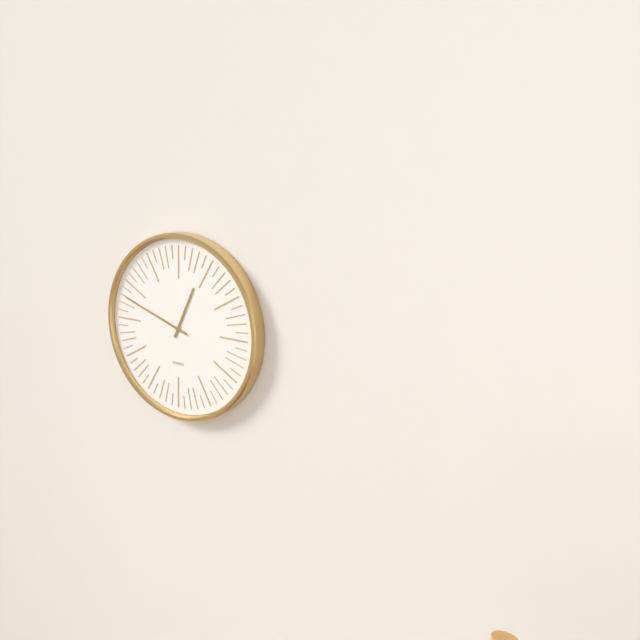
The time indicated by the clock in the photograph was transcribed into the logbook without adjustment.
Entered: 12:48
